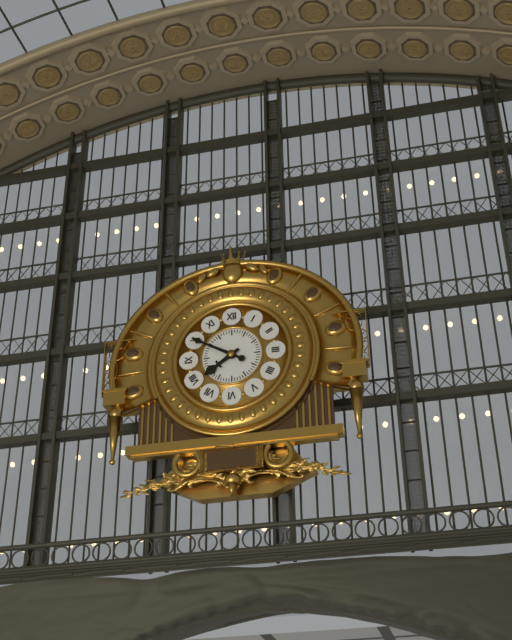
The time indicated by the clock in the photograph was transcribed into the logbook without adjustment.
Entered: 7:50
